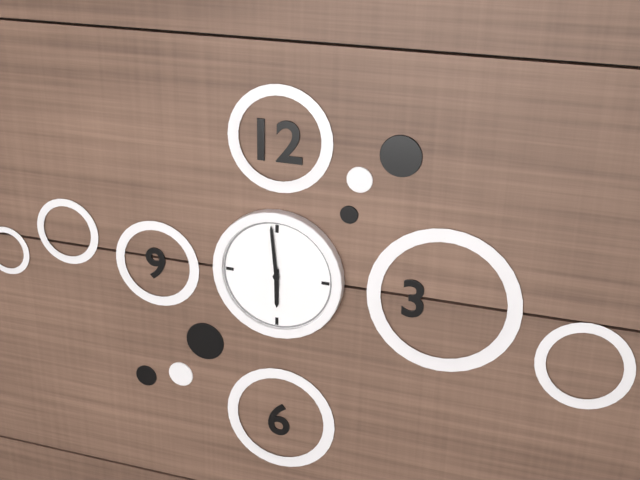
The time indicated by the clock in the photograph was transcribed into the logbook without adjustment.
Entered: 5:59
